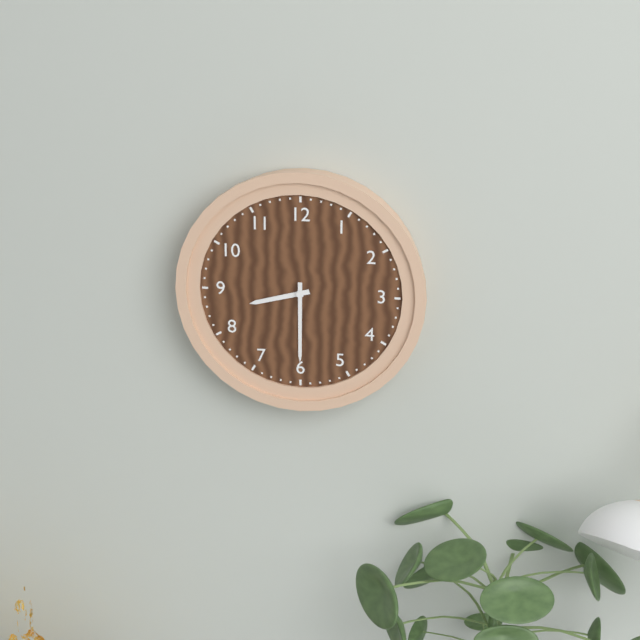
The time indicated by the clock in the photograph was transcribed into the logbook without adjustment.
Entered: 8:30
